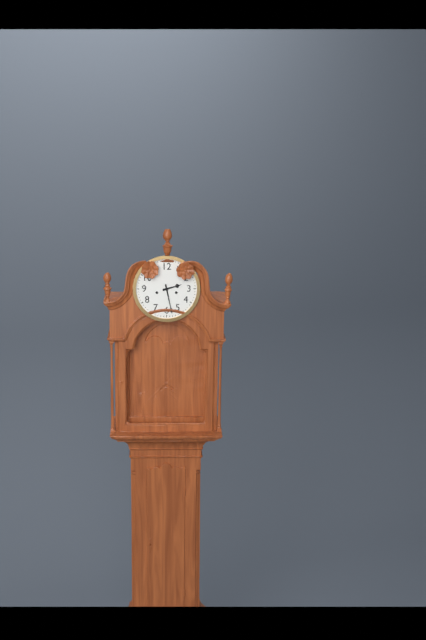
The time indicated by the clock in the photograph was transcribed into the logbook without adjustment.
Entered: 2:28
